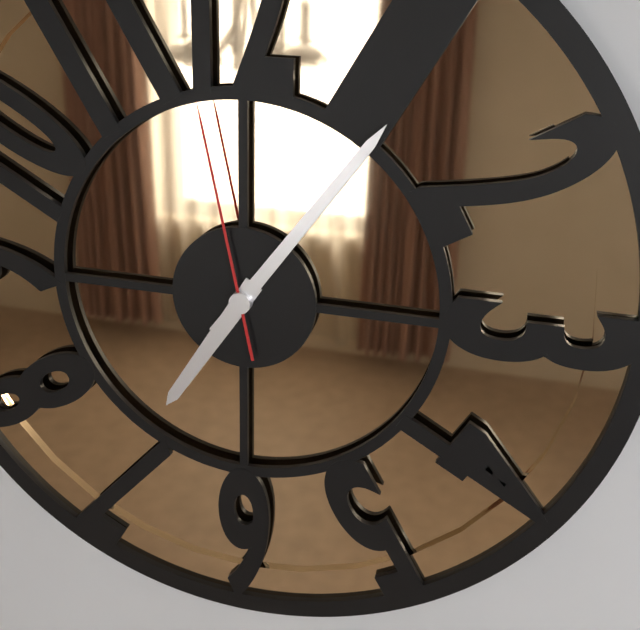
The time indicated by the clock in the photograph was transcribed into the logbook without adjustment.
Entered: 7:06:58
